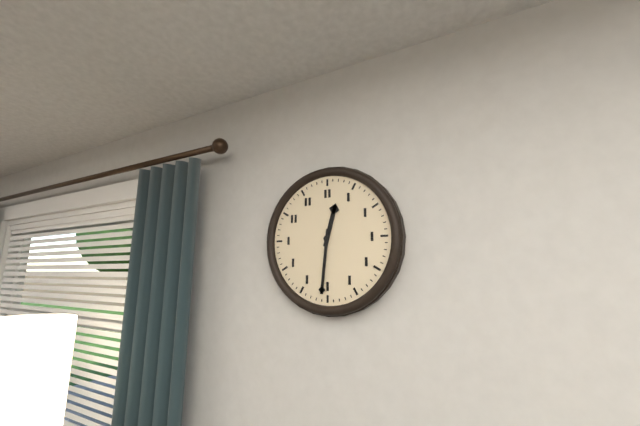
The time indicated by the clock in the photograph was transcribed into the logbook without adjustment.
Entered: 12:31
